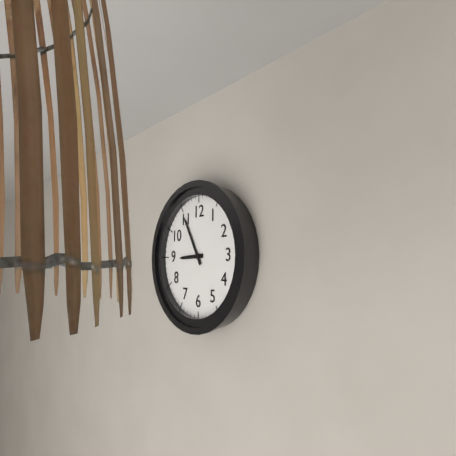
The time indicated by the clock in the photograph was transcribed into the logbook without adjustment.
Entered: 8:55
